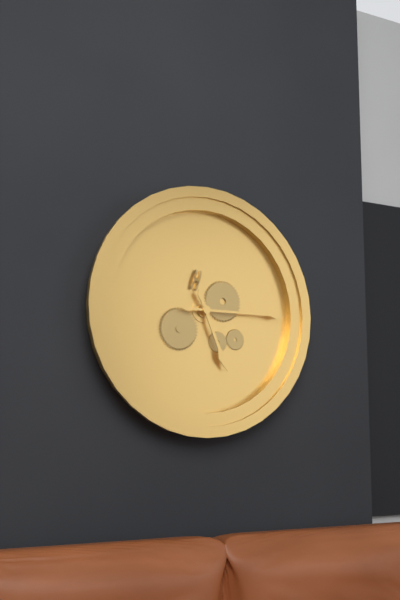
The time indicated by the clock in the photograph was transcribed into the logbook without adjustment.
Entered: 5:15
